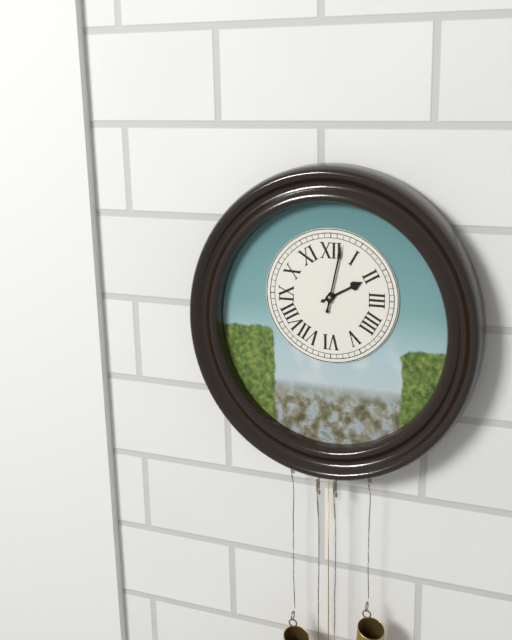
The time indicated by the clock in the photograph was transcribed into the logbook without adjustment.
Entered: 2:02
